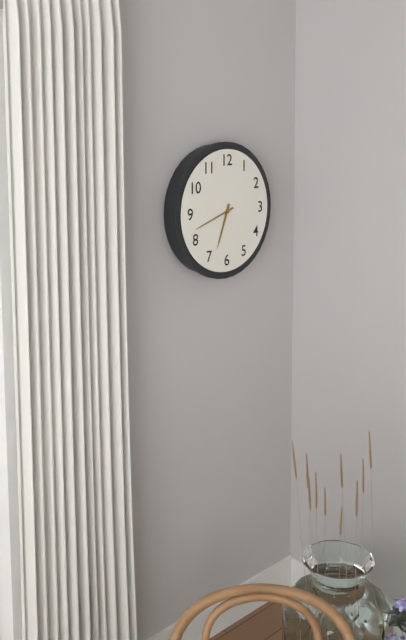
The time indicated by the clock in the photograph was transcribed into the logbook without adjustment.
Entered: 6:42
